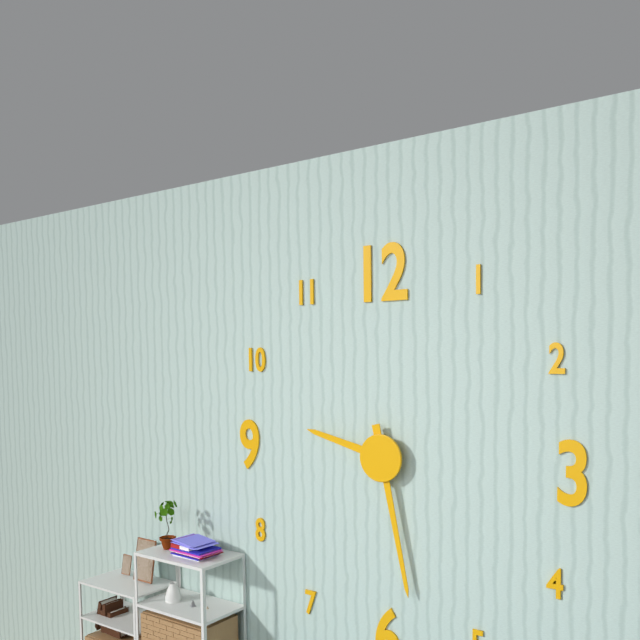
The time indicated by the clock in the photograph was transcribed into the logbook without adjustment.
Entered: 9:28
